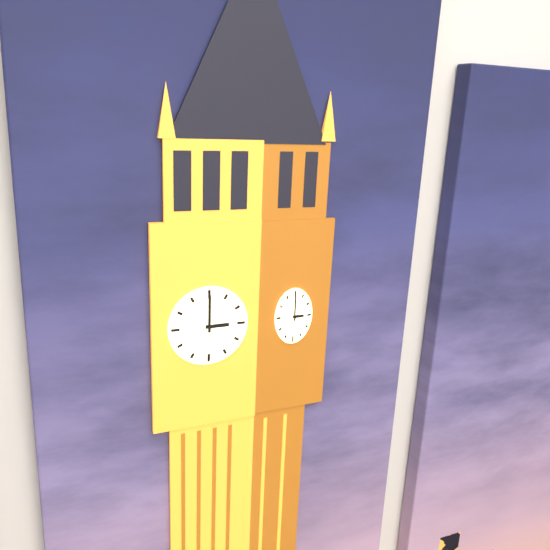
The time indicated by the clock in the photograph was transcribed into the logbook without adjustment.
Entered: 3:00
